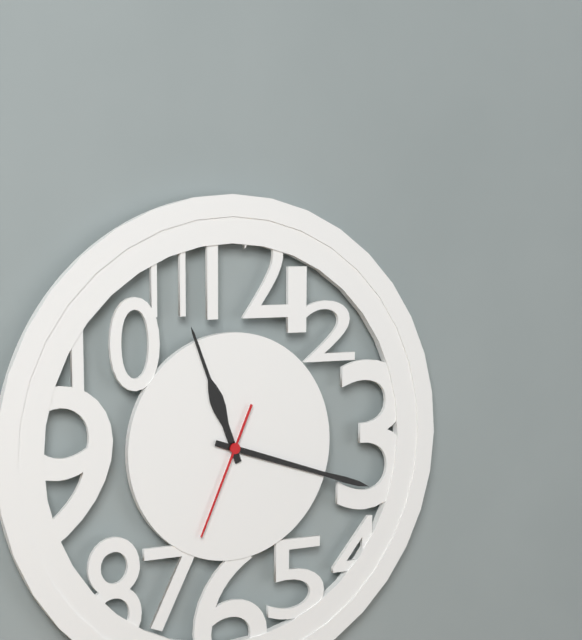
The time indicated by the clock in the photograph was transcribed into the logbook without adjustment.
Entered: 11:18:34
